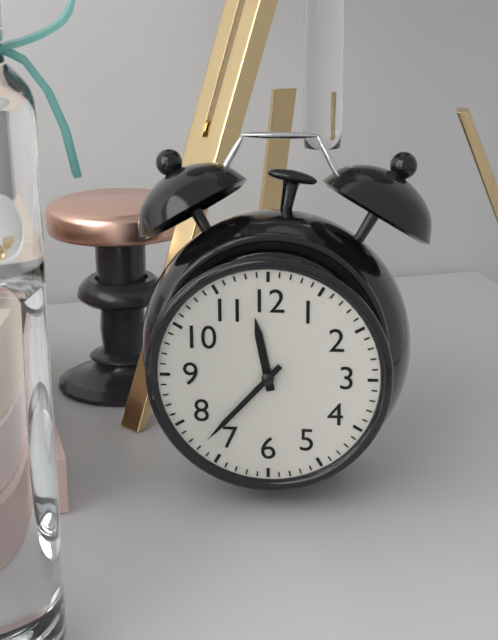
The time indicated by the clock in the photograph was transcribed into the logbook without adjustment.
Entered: 11:37
